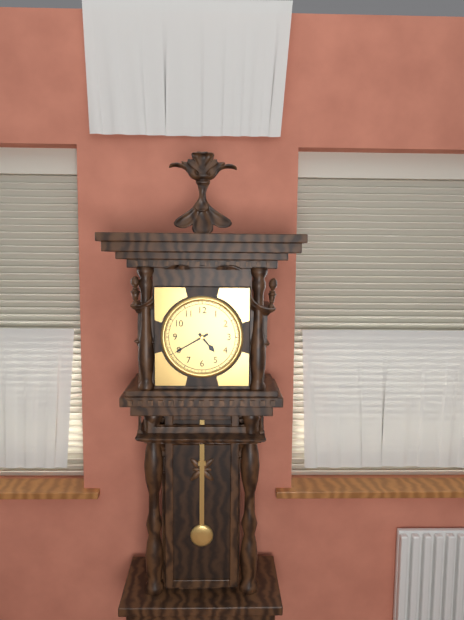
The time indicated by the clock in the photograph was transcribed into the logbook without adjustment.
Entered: 4:40
